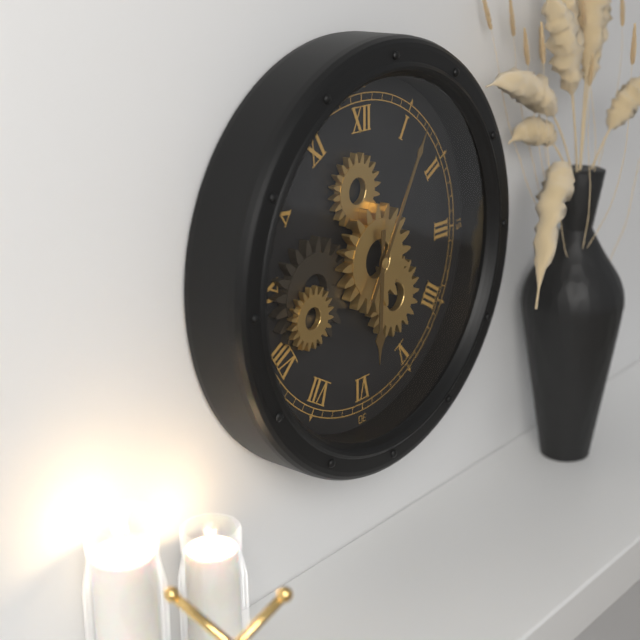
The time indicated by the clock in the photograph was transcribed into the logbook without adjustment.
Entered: 6:05
